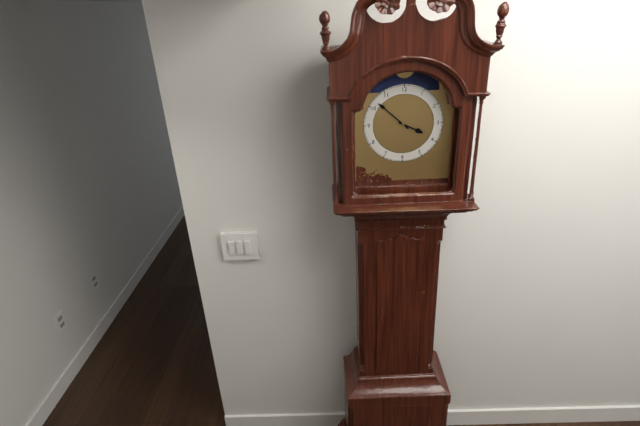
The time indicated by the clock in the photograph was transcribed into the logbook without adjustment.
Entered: 3:52
